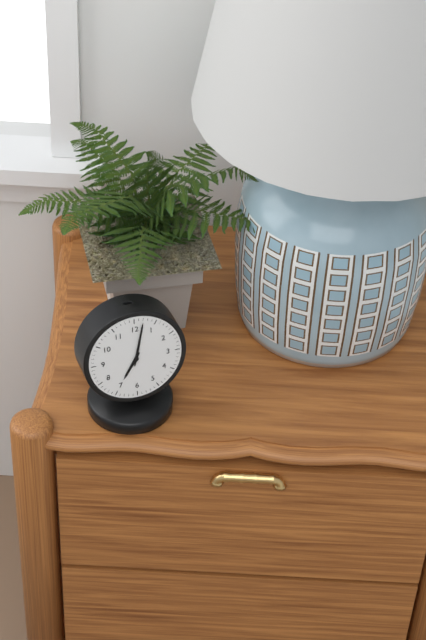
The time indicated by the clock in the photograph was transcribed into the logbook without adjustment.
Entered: 7:02
